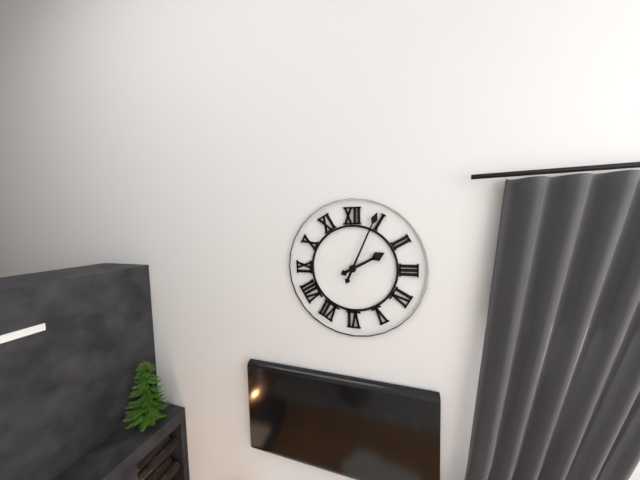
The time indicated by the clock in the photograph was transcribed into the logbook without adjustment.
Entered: 2:04
